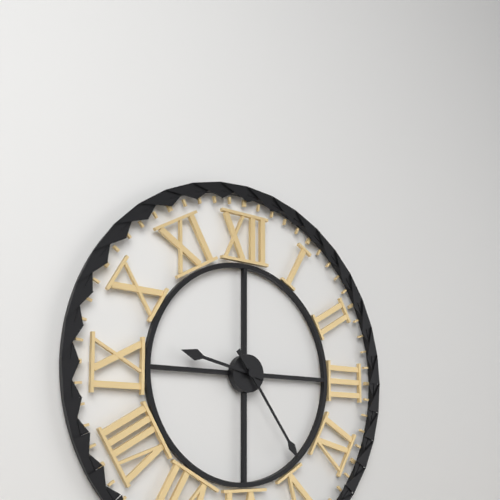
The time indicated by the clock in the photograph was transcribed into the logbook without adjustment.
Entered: 9:24
